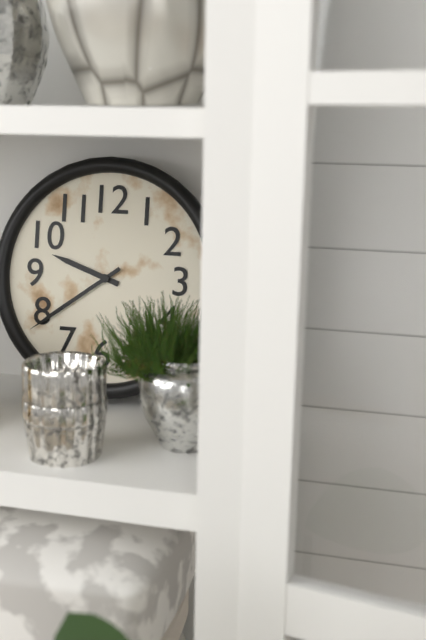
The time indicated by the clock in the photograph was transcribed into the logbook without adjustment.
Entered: 9:39
